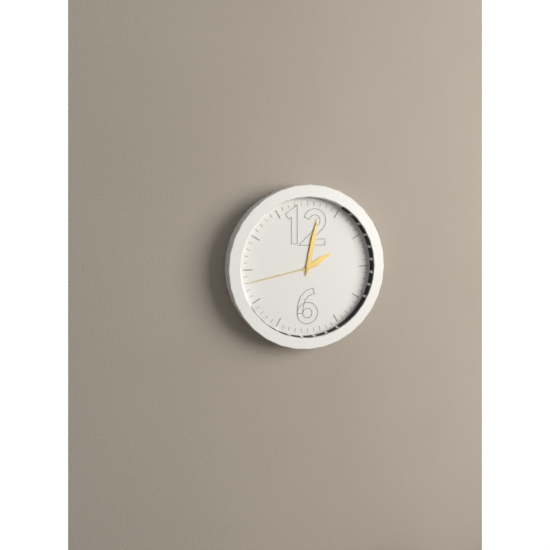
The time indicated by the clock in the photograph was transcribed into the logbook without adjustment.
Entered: 2:02:43
